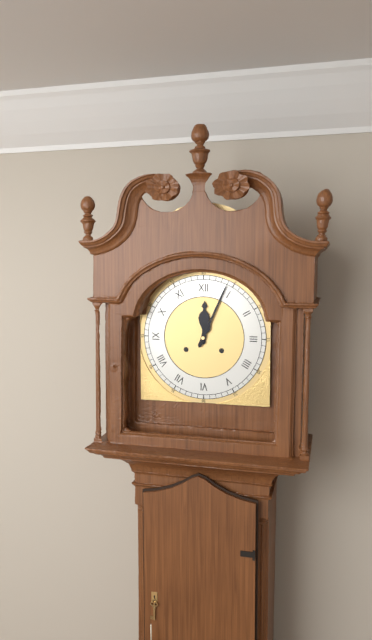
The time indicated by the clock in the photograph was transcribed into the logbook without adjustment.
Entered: 12:04
